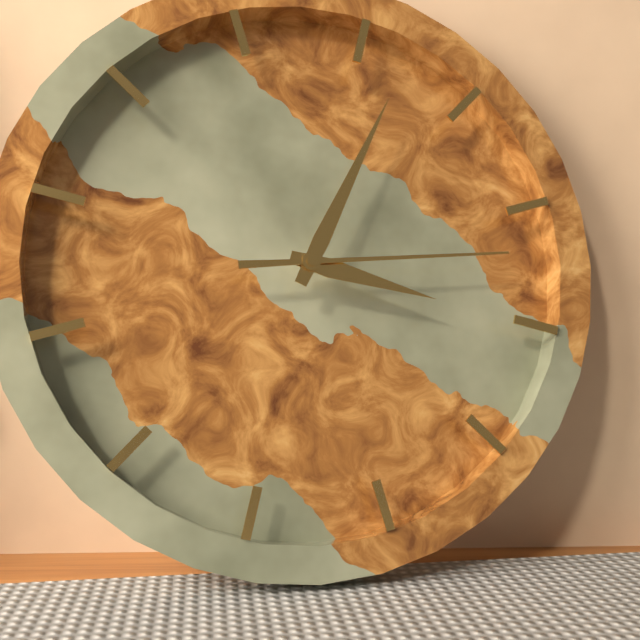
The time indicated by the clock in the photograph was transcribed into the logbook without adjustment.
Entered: 3:02:12
